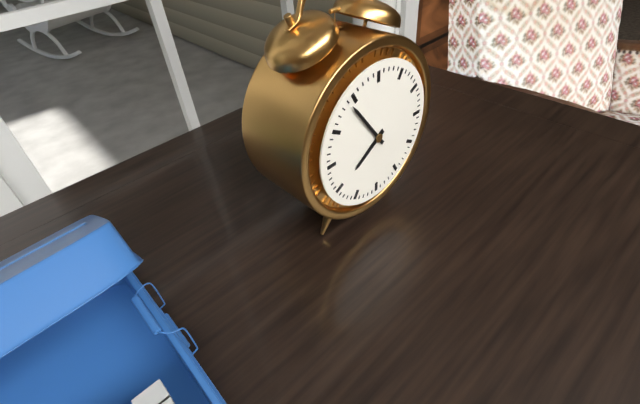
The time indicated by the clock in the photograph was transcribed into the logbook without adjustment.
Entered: 7:54
